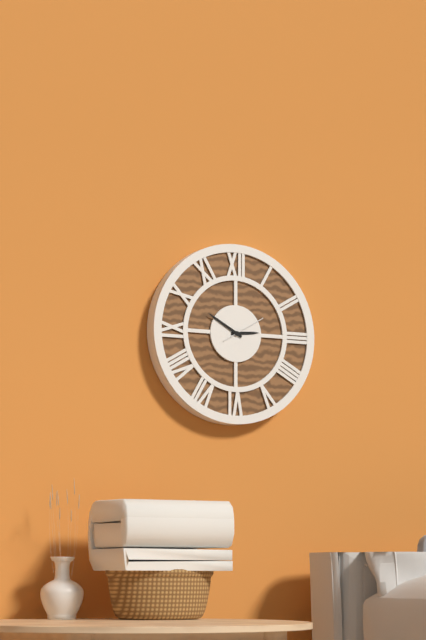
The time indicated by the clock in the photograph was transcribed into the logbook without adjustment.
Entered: 2:50
